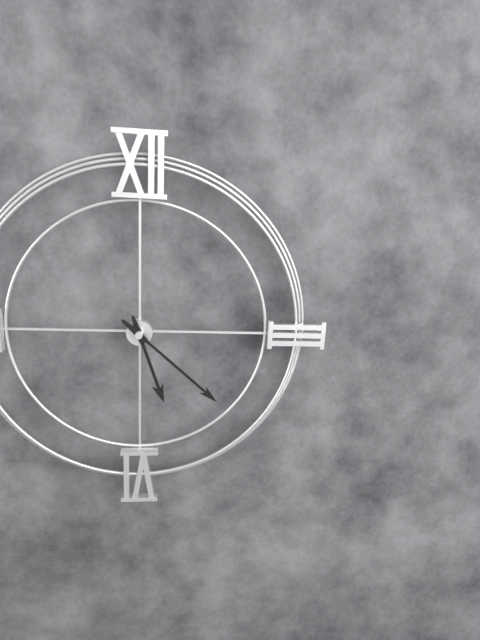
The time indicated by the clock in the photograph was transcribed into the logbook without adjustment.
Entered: 5:22
